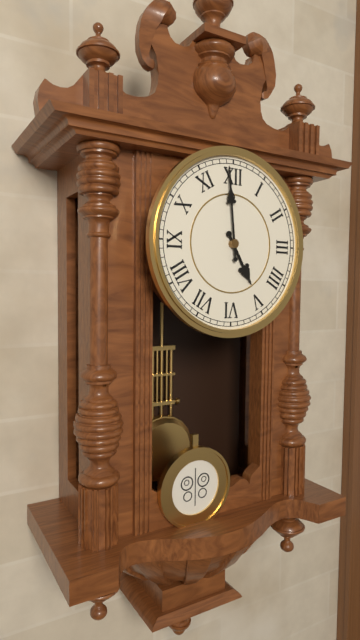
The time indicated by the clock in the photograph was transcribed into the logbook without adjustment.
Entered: 4:59
